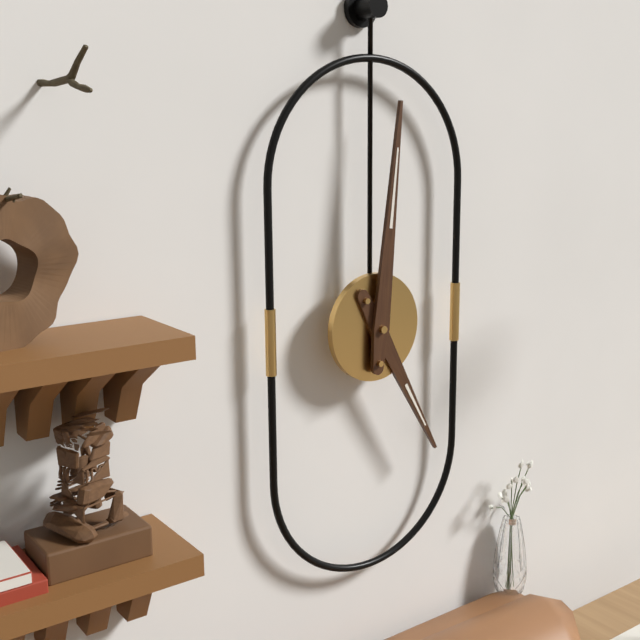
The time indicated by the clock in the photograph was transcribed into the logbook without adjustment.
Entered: 5:01
